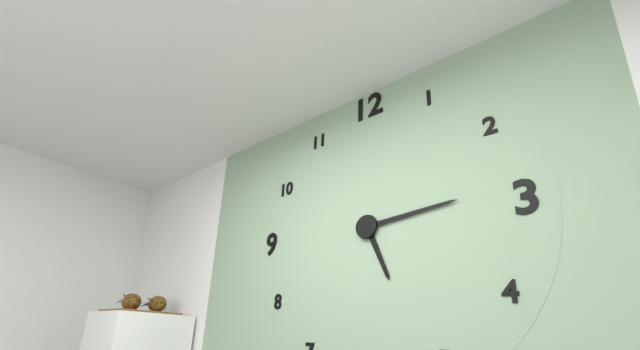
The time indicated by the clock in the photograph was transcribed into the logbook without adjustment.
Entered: 5:14
